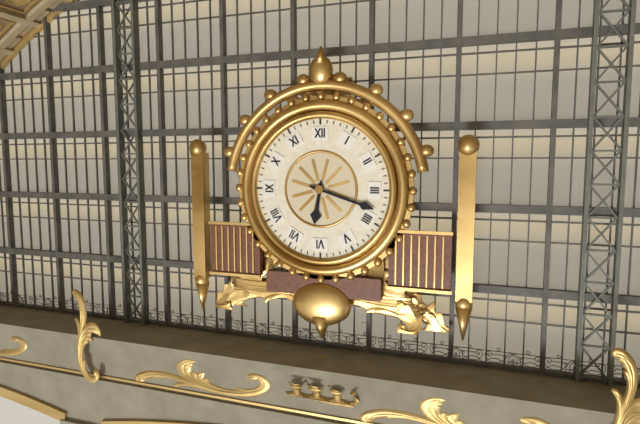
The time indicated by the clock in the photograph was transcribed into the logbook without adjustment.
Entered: 6:18
